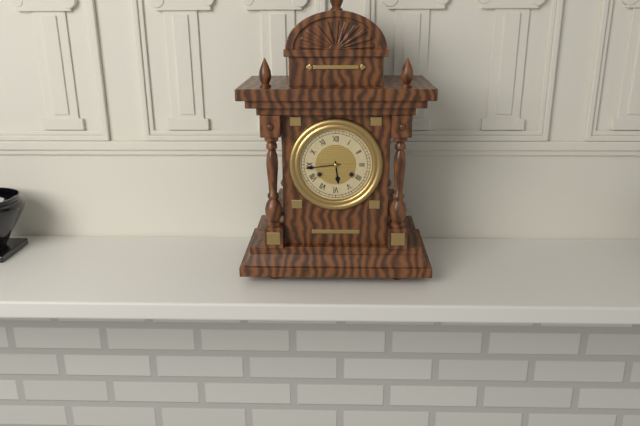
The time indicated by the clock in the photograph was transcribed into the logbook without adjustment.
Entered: 5:44
